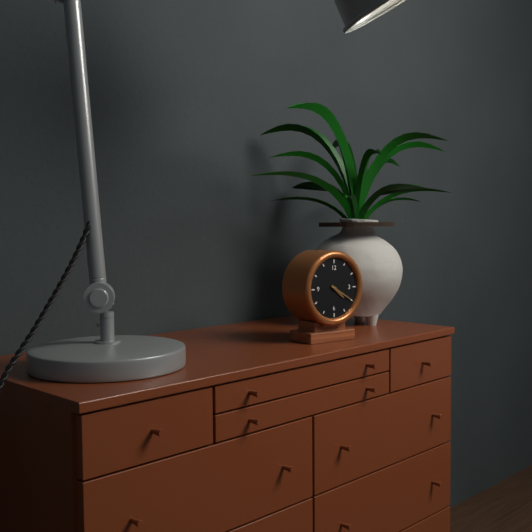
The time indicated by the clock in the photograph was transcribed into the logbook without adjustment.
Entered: 4:20
